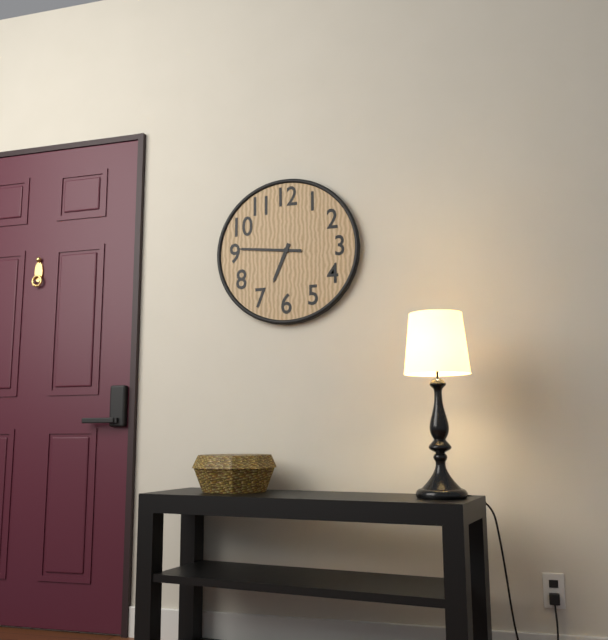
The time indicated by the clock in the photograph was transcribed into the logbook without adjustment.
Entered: 6:46
